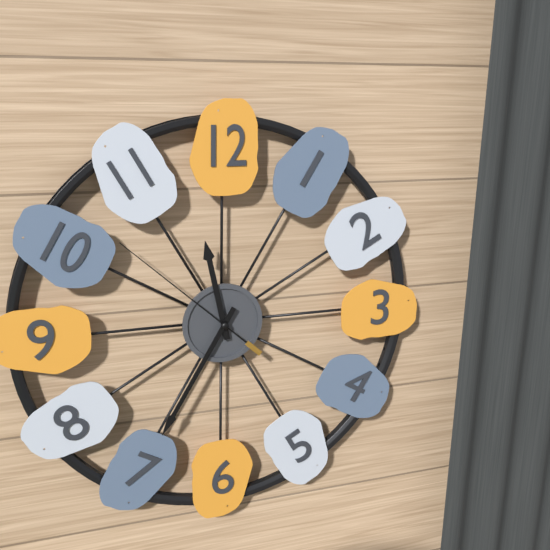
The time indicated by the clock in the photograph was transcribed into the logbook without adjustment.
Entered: 11:35:52
